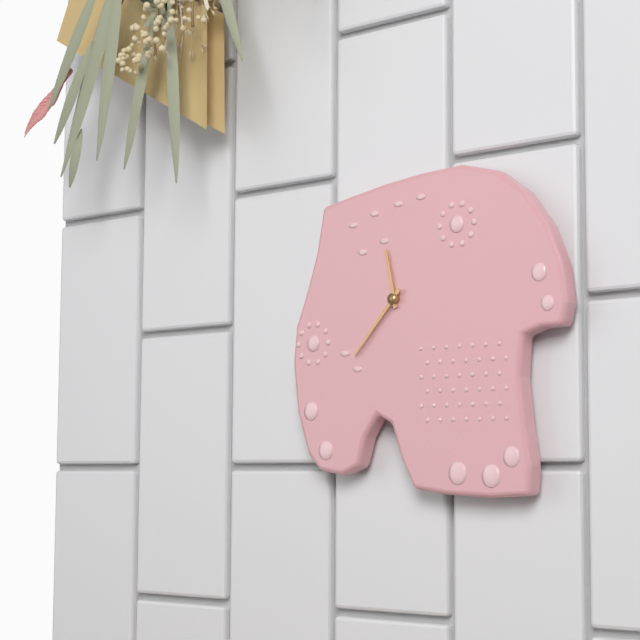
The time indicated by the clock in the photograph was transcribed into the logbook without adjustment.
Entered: 11:37
